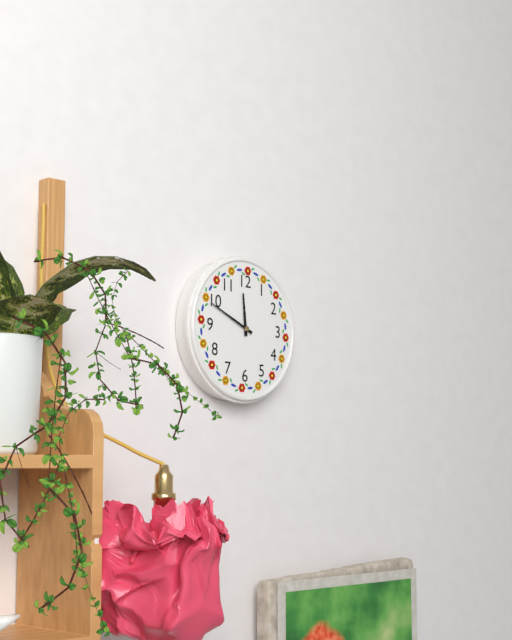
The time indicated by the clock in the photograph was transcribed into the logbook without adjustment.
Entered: 11:49
